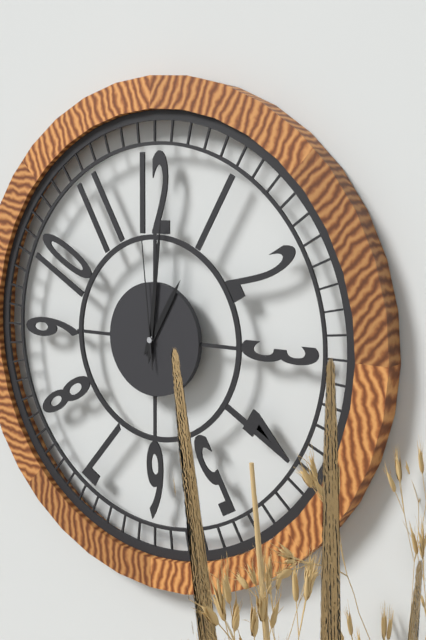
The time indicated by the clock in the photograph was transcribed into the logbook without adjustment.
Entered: 1:01:59
